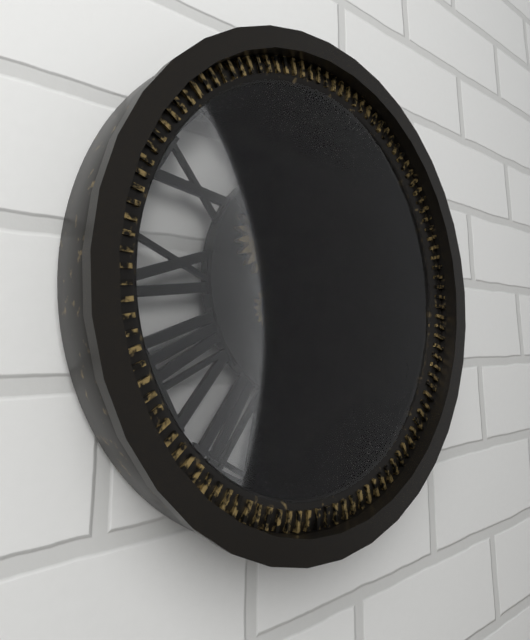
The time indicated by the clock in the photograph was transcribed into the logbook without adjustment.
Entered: 10:07
